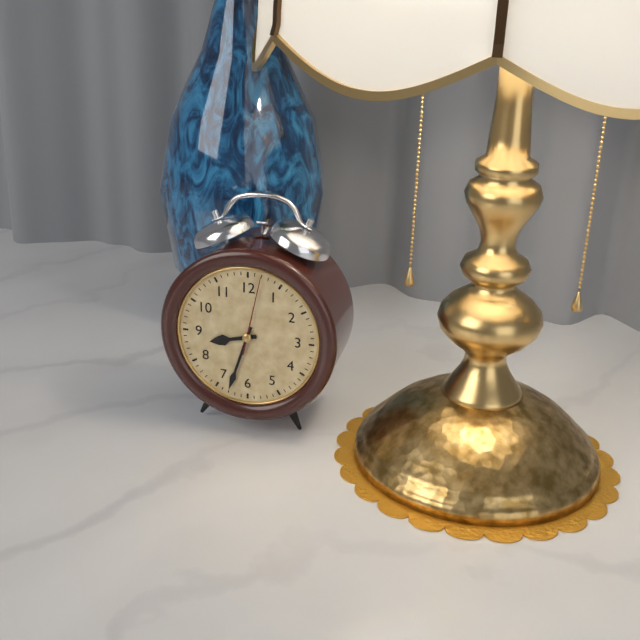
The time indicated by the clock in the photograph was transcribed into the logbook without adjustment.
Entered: 8:33:02
